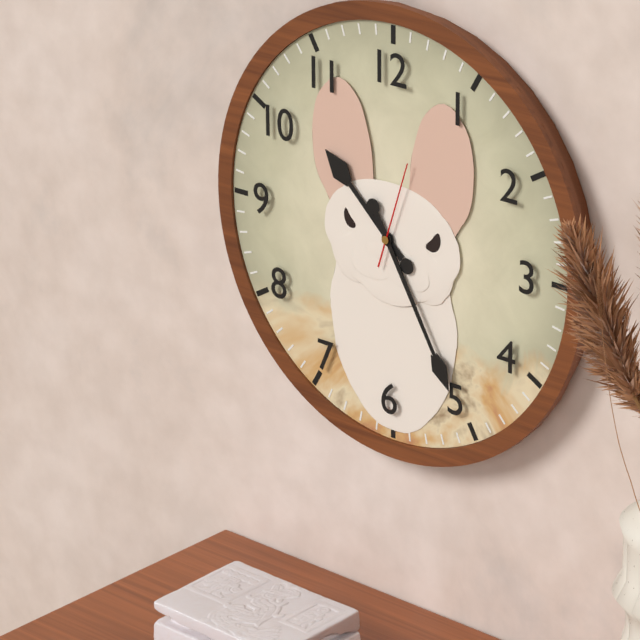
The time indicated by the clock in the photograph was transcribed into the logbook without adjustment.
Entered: 10:25:03
